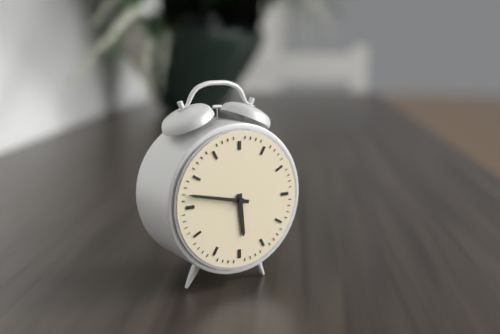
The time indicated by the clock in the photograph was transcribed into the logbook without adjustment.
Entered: 5:47
